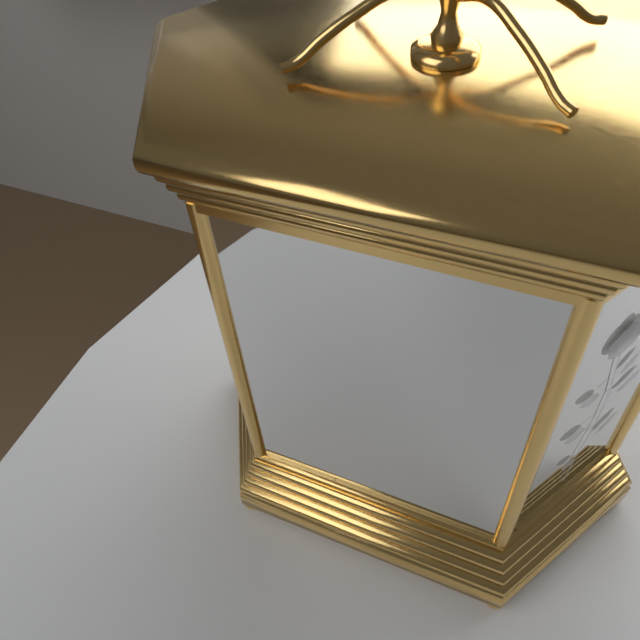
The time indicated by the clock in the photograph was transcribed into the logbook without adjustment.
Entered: 3:13
